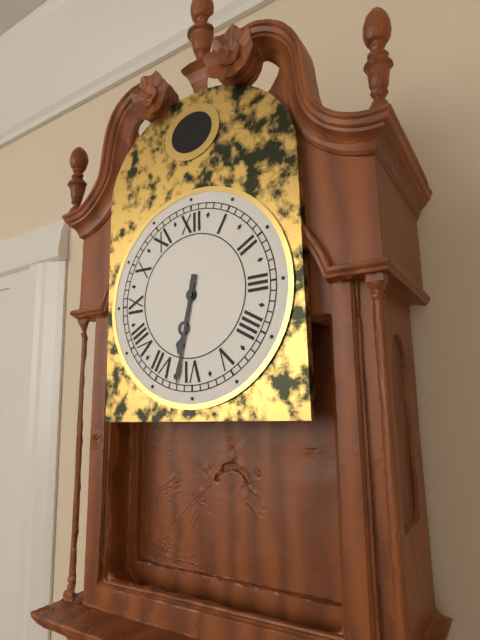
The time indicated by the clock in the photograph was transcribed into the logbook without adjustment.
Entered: 6:32
